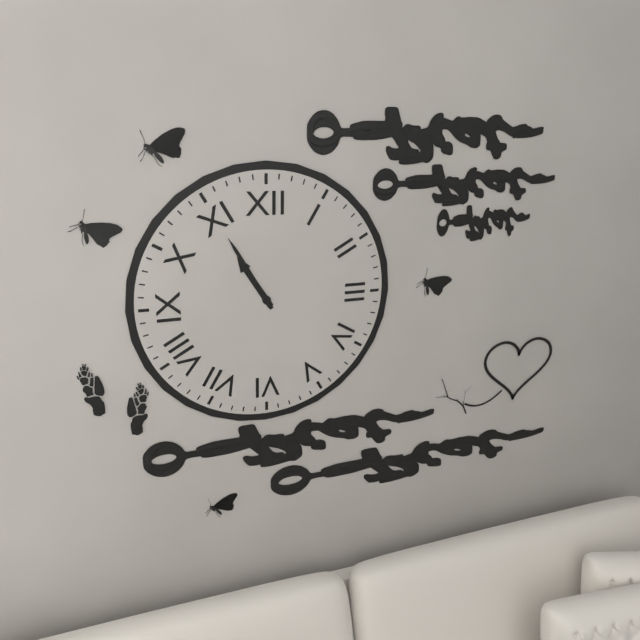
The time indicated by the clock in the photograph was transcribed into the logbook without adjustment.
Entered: 10:55
